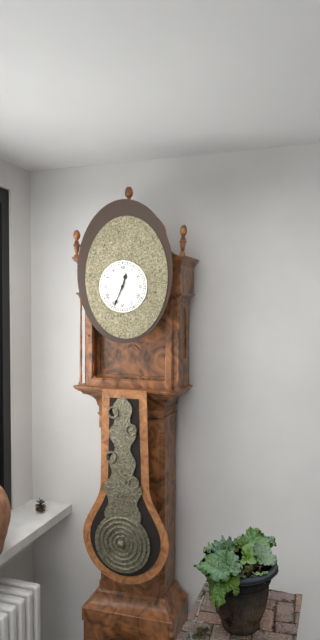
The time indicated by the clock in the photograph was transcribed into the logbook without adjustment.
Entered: 12:34
